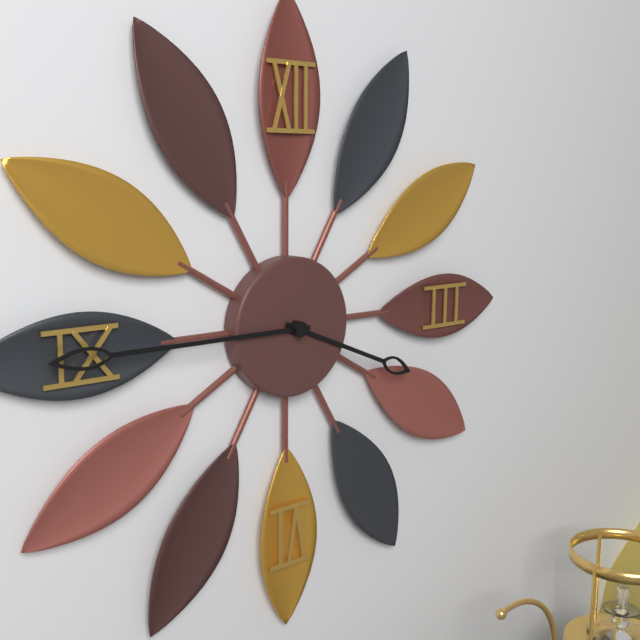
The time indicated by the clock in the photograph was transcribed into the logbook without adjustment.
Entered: 3:45
